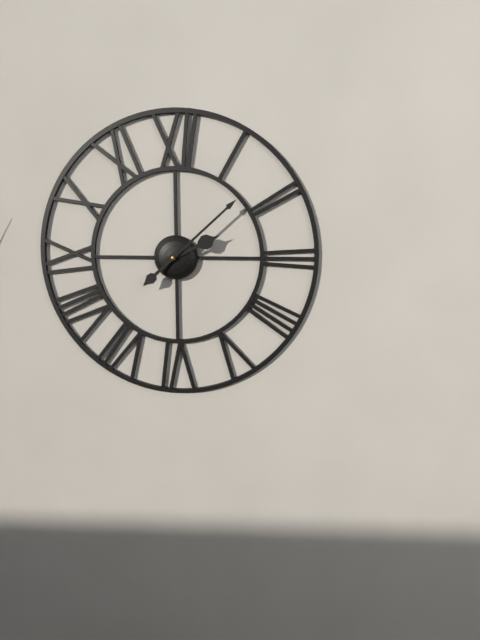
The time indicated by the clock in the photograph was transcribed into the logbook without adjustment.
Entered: 2:08
